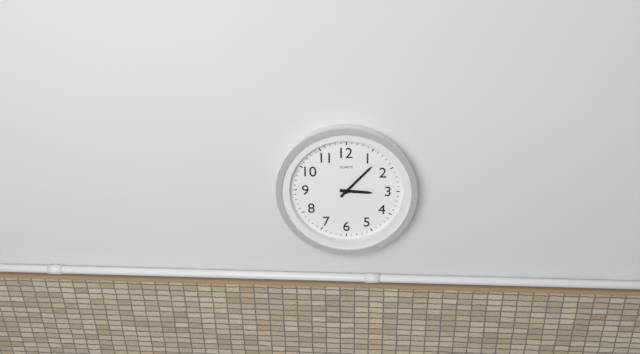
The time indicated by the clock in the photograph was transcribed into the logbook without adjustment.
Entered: 3:07
